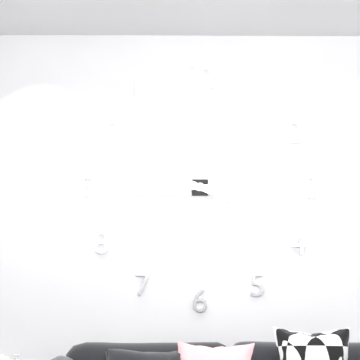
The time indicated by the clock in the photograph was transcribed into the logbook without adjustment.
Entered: 3:45
